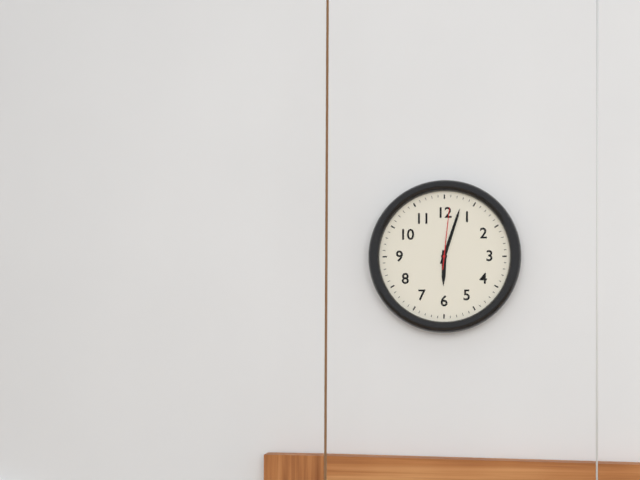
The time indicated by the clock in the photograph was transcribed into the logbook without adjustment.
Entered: 6:03:01
